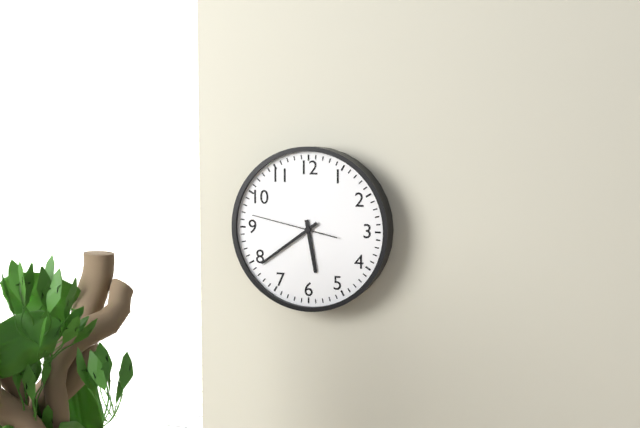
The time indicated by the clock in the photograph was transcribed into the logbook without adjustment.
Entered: 5:39:47
